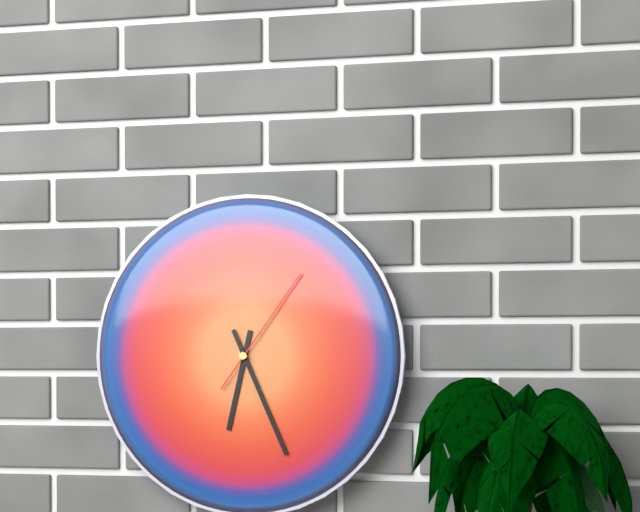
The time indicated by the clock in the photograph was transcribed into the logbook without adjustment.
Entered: 6:26:06
